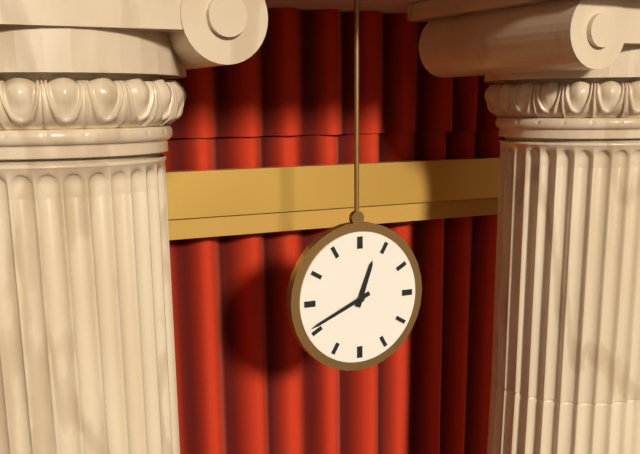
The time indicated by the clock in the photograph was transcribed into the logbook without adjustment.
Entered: 12:41
